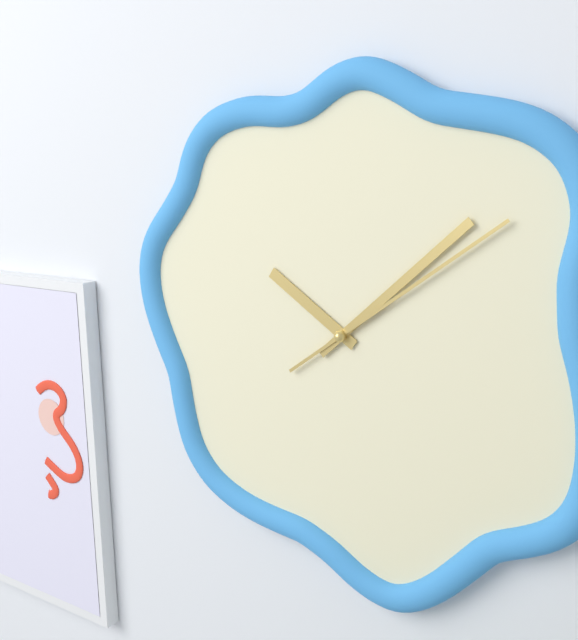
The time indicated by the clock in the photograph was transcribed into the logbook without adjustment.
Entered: 10:08:09
